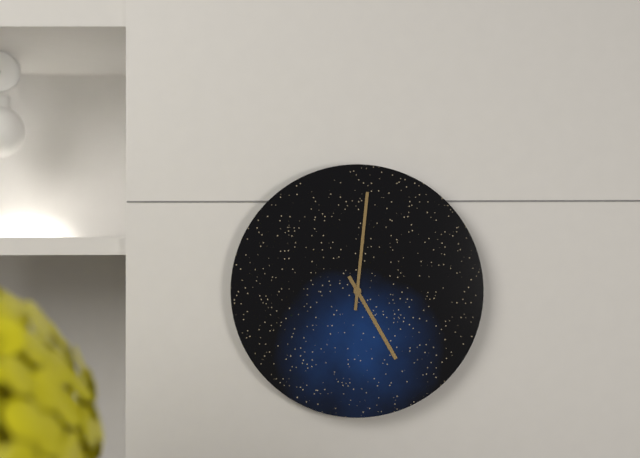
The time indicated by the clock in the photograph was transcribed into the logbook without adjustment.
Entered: 5:01
